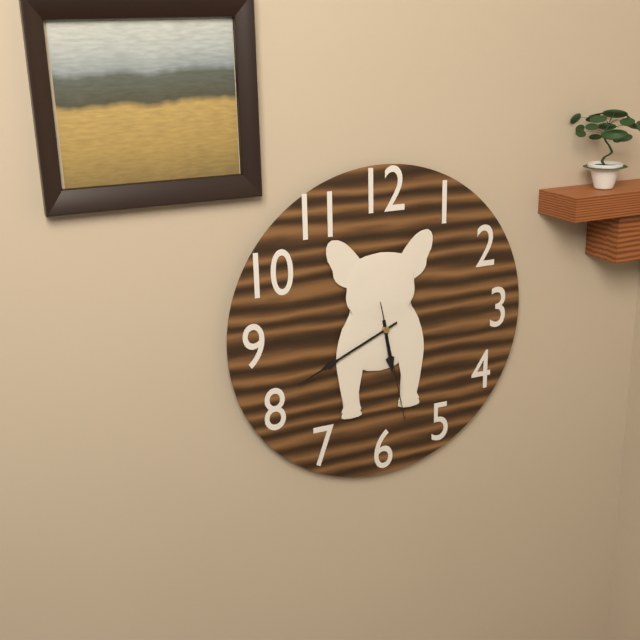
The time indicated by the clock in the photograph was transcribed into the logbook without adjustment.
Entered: 5:41:28
